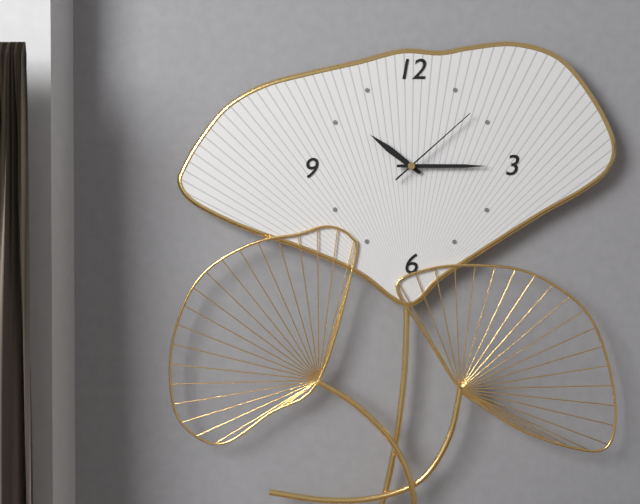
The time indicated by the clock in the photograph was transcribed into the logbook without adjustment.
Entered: 10:15:08
